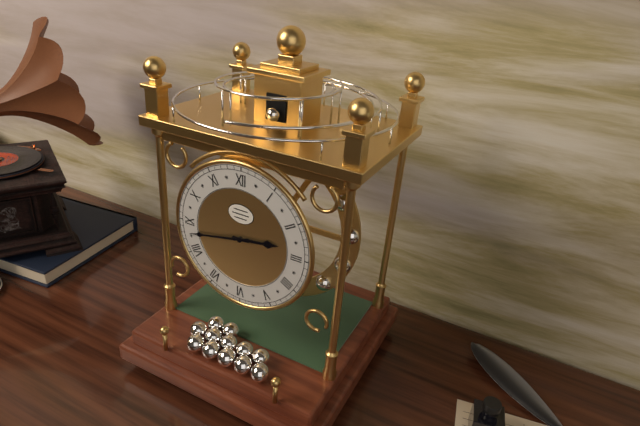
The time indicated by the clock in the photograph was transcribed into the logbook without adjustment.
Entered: 2:43
